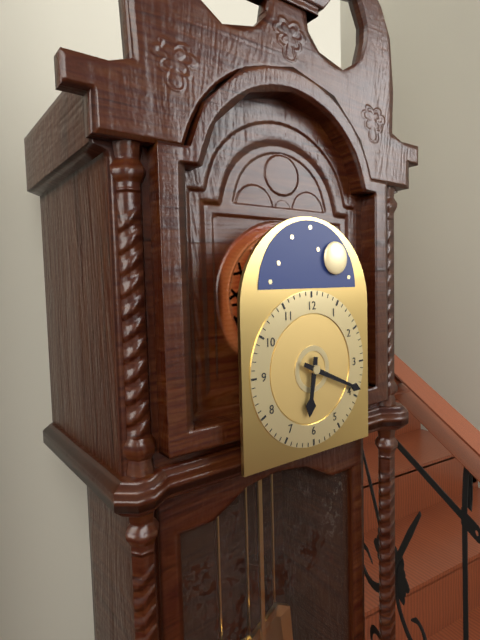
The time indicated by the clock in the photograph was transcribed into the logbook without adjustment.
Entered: 6:19
